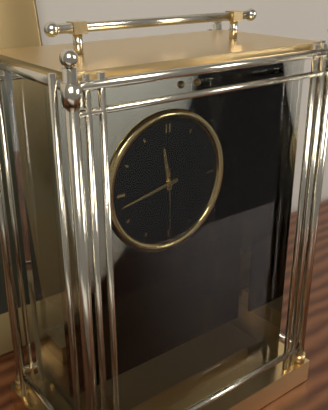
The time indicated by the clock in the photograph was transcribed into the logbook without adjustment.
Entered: 11:43:30
